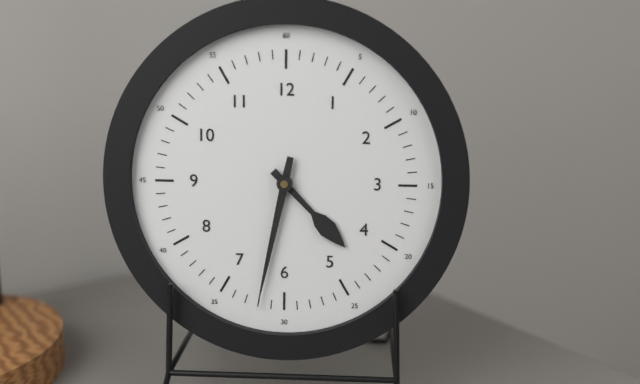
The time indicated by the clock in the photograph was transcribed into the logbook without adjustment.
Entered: 4:32
